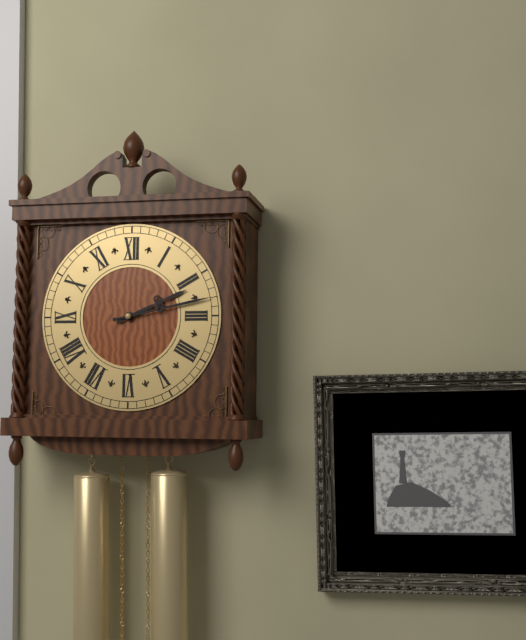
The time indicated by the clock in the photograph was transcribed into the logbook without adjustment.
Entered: 2:13
